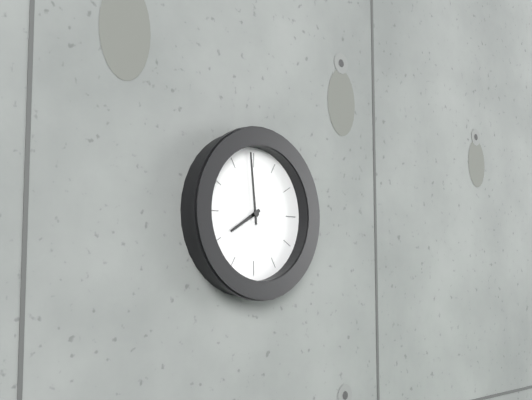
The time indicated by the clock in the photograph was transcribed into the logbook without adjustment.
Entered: 7:59
